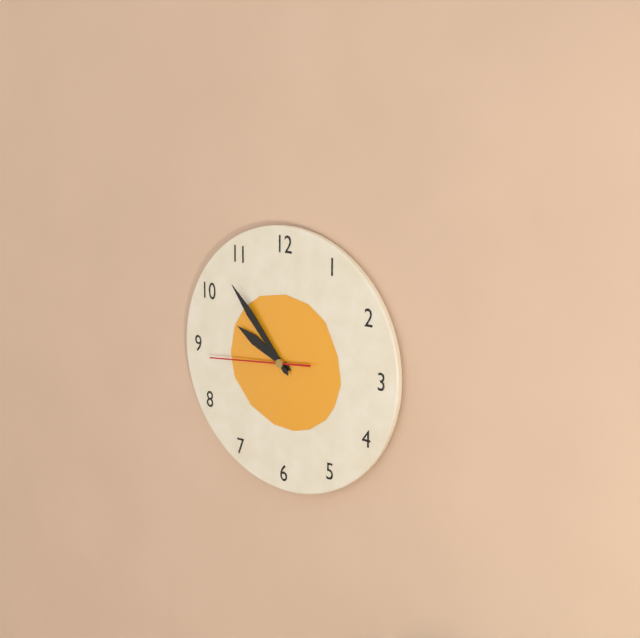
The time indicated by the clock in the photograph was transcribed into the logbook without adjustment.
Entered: 9:53:44
